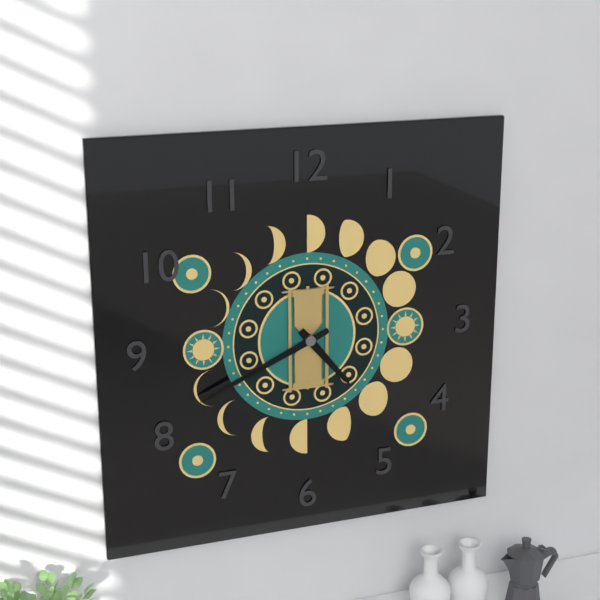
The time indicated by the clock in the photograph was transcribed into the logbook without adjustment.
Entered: 4:41
